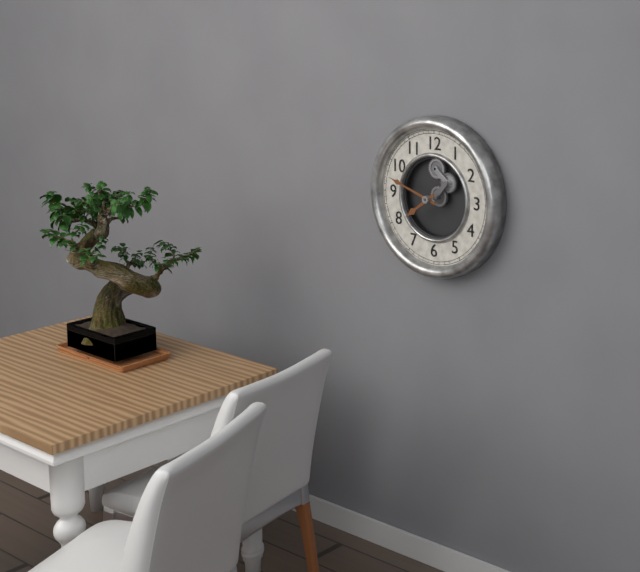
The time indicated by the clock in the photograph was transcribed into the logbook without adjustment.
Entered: 7:48
